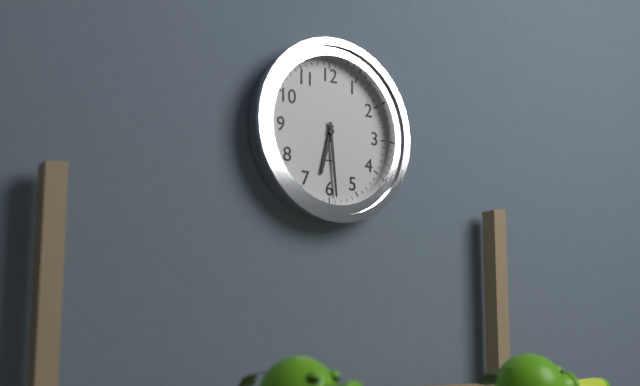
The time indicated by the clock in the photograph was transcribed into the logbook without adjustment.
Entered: 6:29
